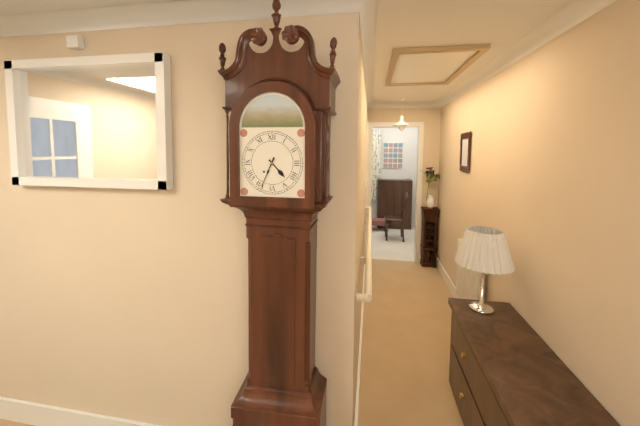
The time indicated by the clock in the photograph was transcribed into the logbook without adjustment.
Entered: 4:34
